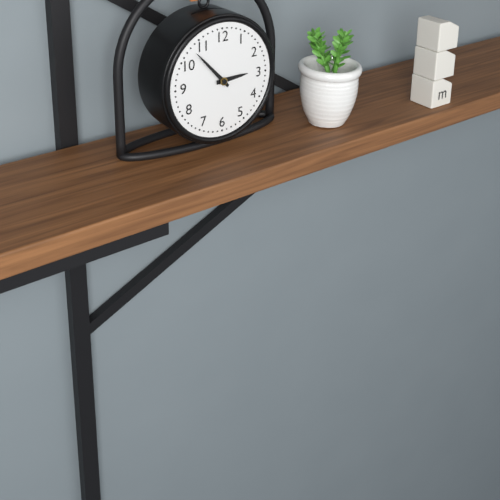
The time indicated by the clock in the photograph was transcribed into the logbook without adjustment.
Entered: 2:53
